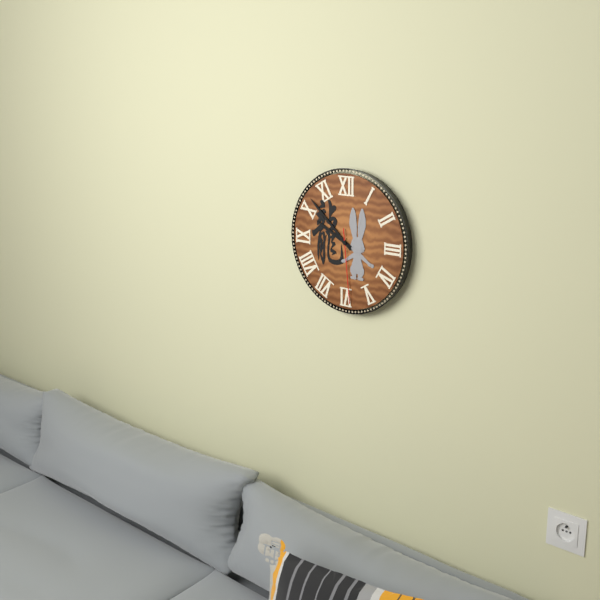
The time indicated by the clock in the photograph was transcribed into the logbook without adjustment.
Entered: 9:52:29
